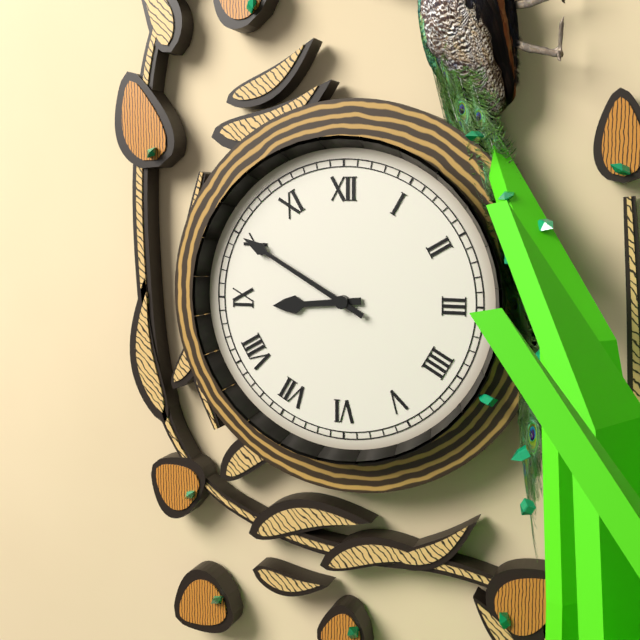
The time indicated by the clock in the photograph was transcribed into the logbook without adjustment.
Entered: 8:50
